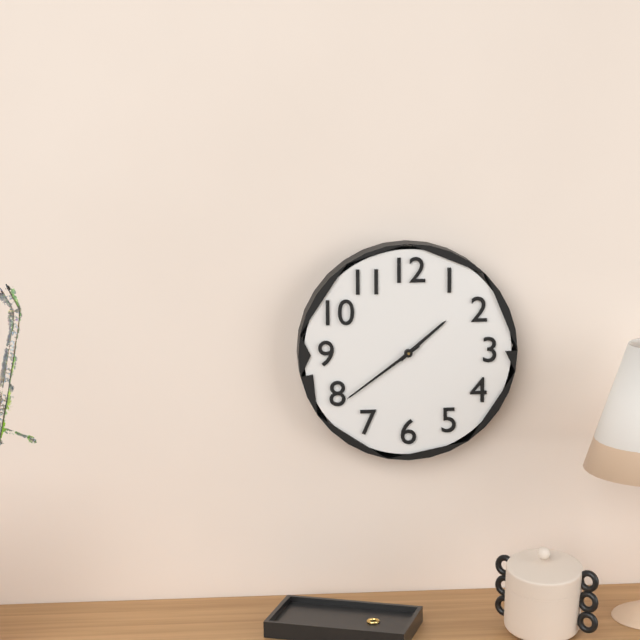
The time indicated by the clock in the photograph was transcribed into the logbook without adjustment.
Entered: 1:39
